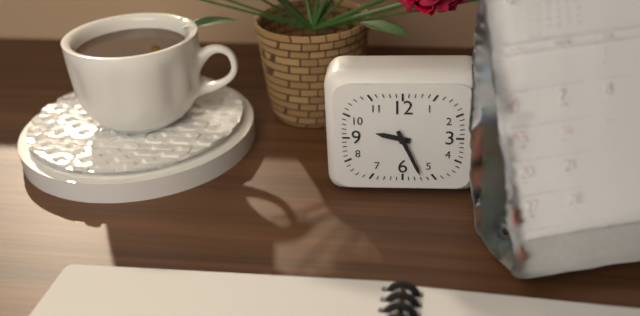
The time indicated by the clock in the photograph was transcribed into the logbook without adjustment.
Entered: 9:26
